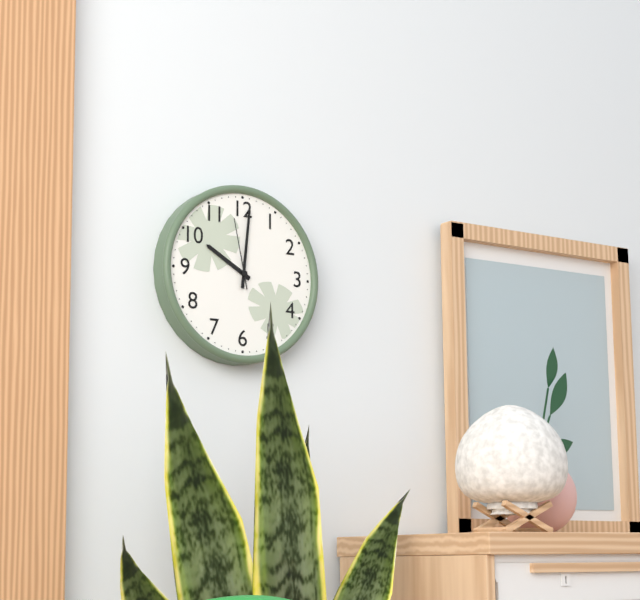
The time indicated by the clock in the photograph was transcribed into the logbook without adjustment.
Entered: 10:01:58
